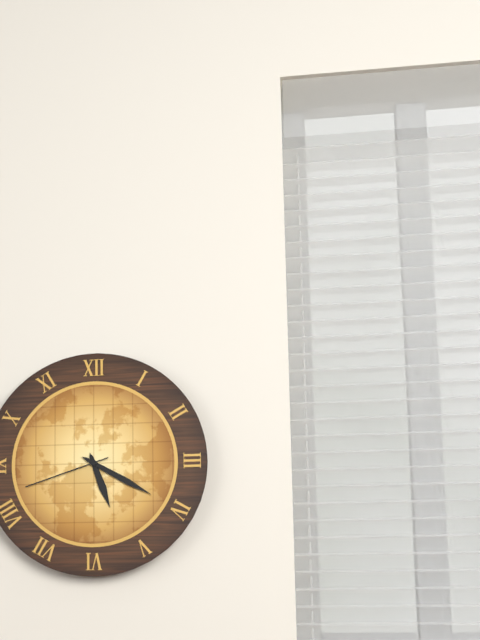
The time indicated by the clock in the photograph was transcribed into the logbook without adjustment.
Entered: 5:20:42
